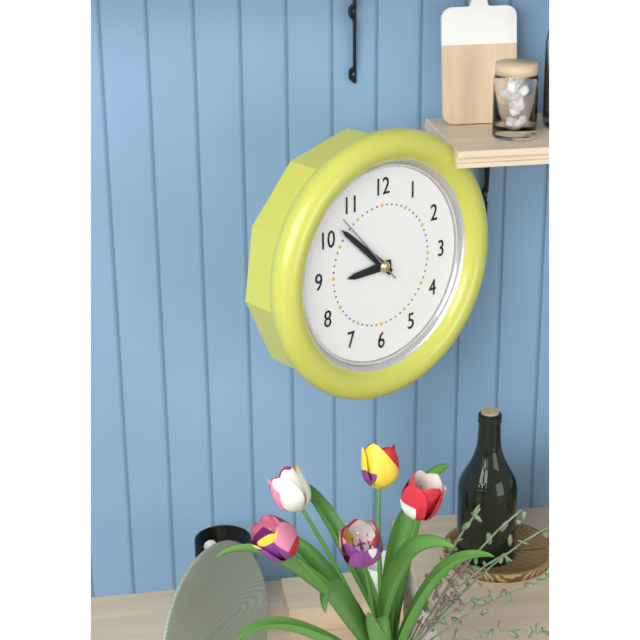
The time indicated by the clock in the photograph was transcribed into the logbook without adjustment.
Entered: 8:52:53
